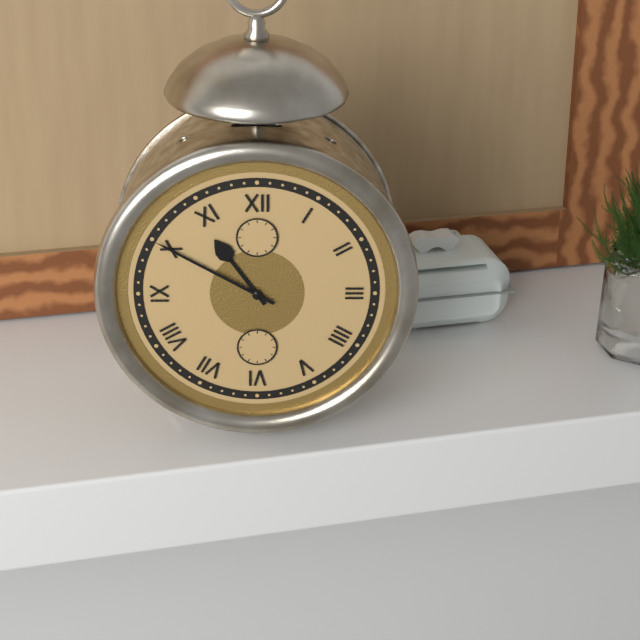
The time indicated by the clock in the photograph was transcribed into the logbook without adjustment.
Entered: 10:50
